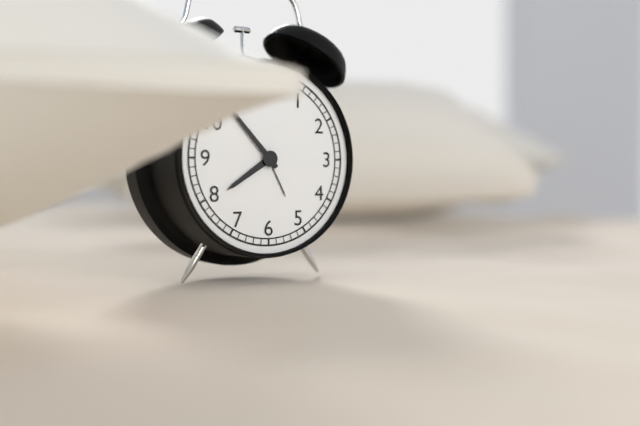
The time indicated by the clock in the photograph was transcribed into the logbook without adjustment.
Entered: 7:53
